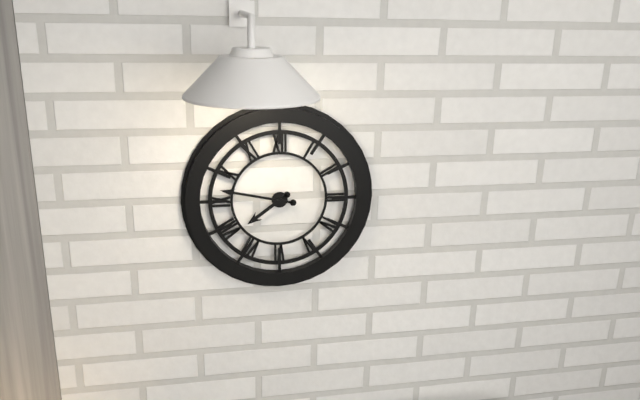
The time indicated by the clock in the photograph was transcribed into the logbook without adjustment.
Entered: 7:47
